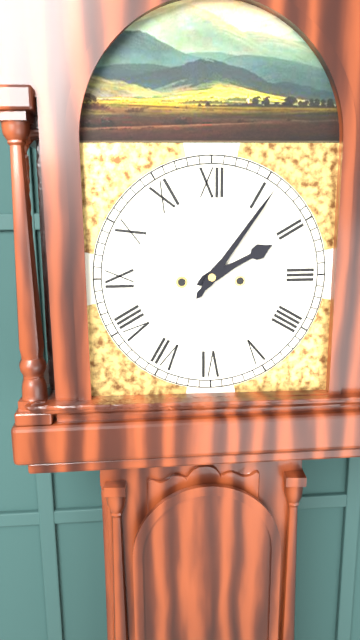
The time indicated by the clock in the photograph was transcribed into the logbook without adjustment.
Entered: 2:06
